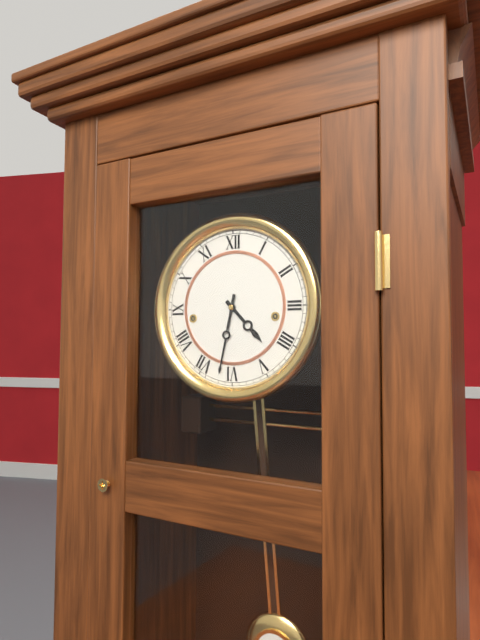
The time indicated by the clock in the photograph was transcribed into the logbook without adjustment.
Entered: 4:32
